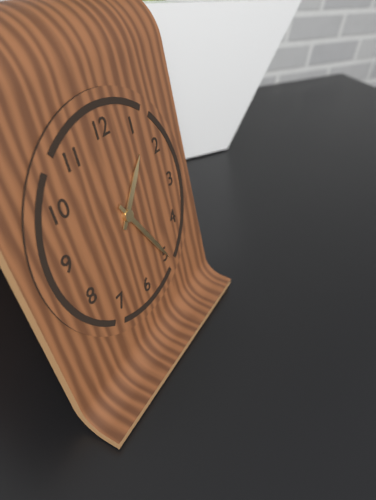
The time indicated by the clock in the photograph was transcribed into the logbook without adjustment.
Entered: 1:25
